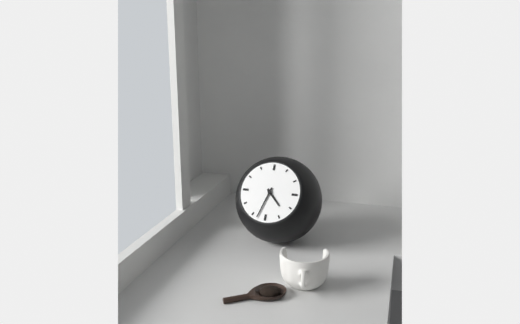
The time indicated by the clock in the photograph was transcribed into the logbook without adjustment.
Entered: 4:33
